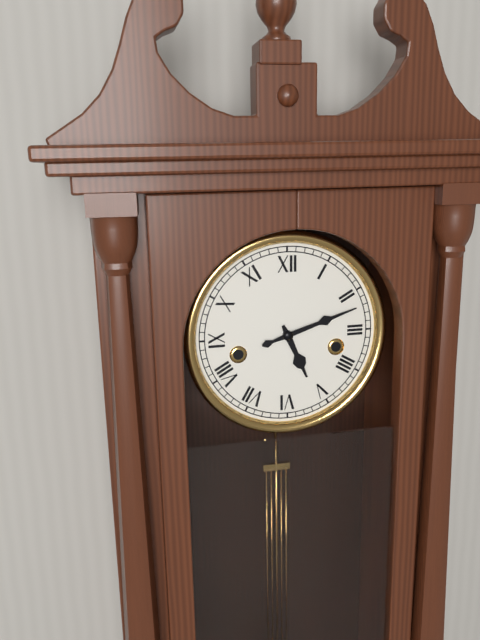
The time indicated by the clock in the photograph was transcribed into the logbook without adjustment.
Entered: 5:12
